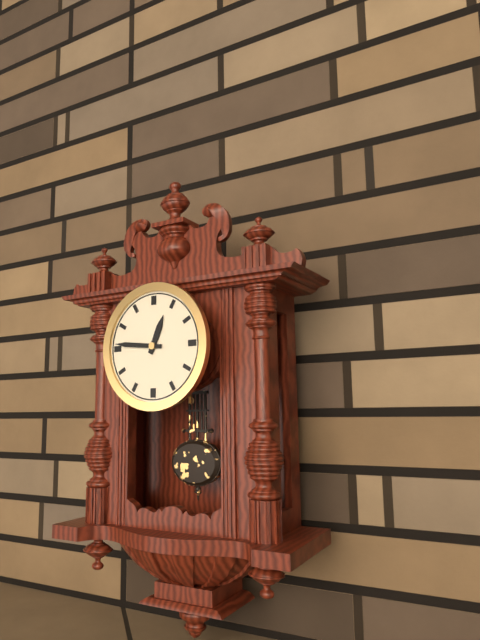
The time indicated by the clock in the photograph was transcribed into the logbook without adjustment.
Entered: 12:46
